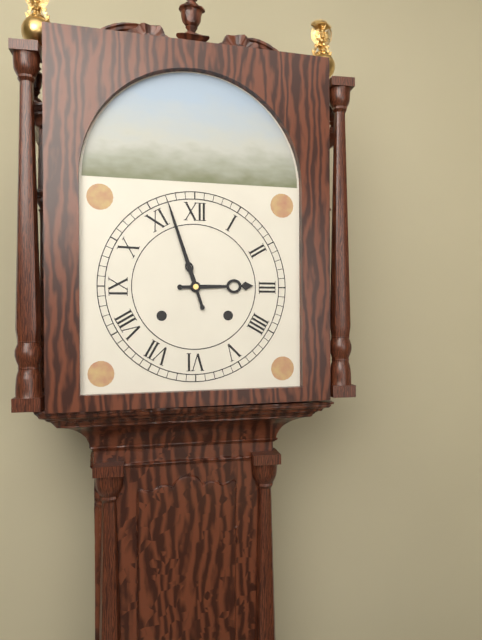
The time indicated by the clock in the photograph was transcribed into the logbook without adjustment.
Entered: 2:57
